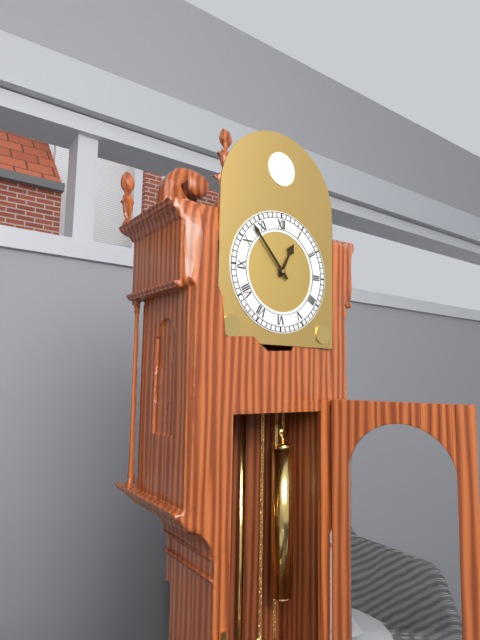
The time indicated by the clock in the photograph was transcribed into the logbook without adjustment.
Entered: 12:53
